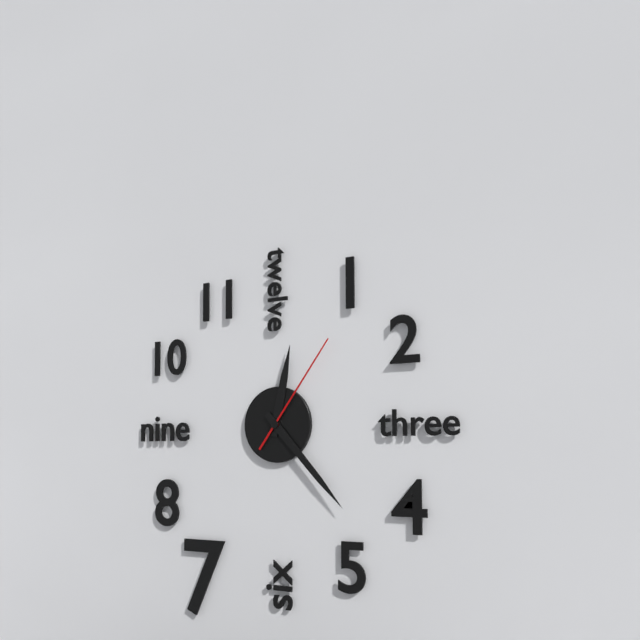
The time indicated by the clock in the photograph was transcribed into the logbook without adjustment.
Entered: 12:23:06
